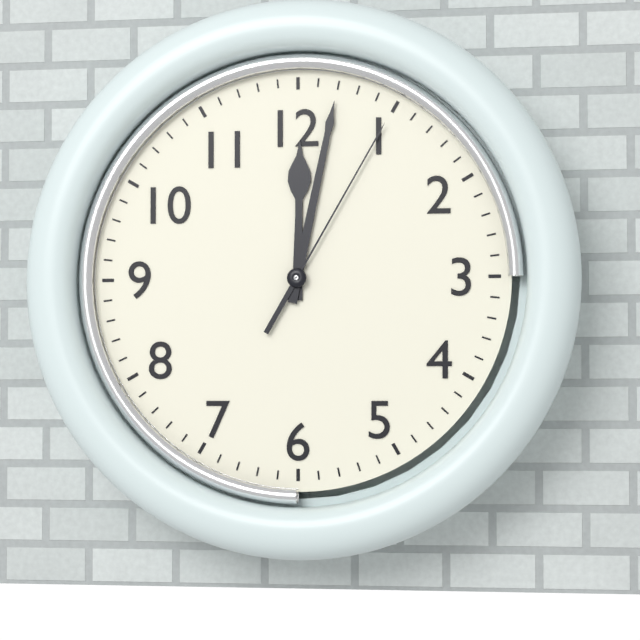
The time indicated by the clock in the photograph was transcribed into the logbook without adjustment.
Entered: 12:02:05
